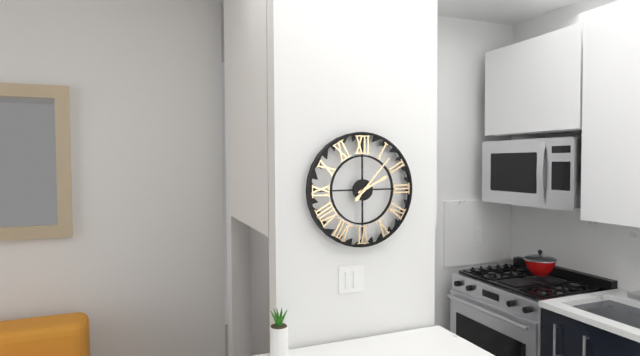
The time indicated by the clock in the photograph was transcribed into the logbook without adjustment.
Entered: 2:07
